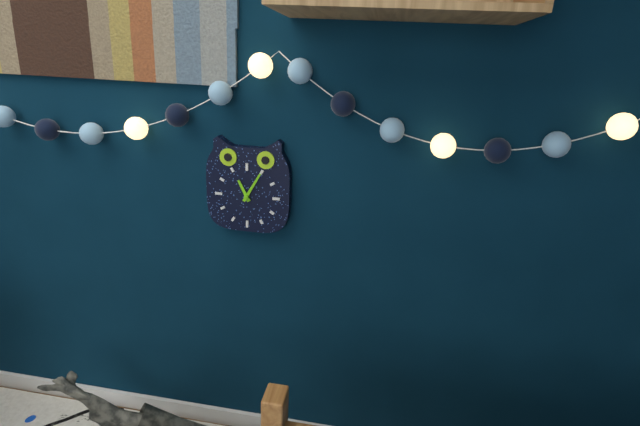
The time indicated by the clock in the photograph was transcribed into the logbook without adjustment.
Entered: 11:05
